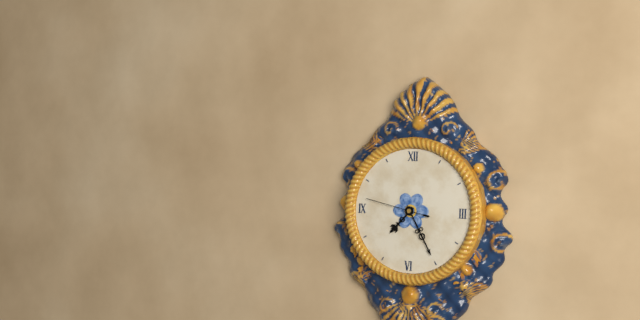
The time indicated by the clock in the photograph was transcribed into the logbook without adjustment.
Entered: 7:25:47
